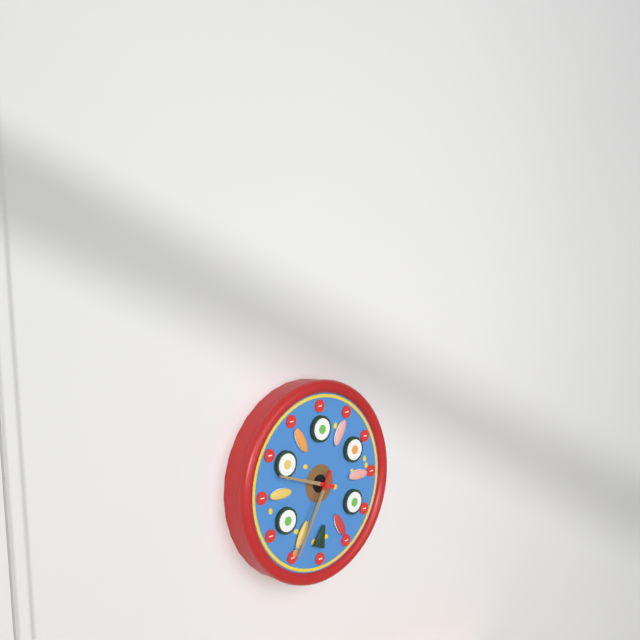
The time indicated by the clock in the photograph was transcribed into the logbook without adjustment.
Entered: 9:35
